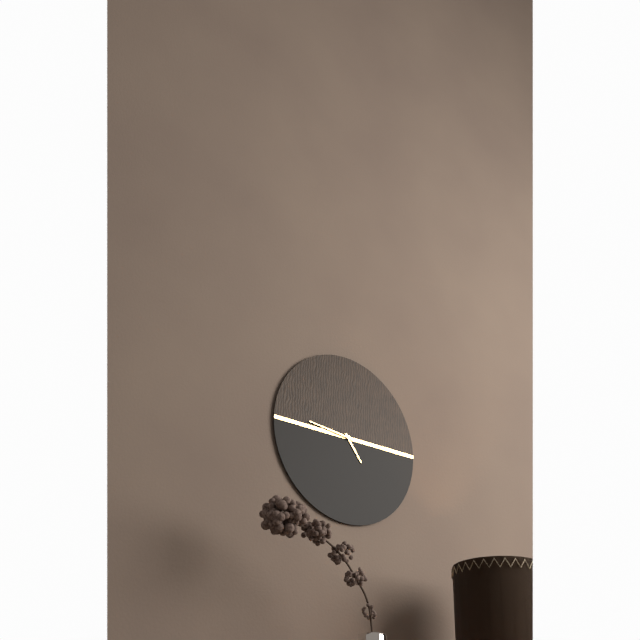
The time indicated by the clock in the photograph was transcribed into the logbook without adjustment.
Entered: 4:46
